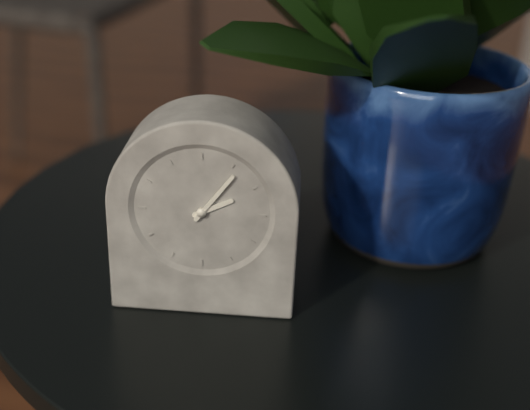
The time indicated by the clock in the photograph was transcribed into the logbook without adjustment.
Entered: 2:06
